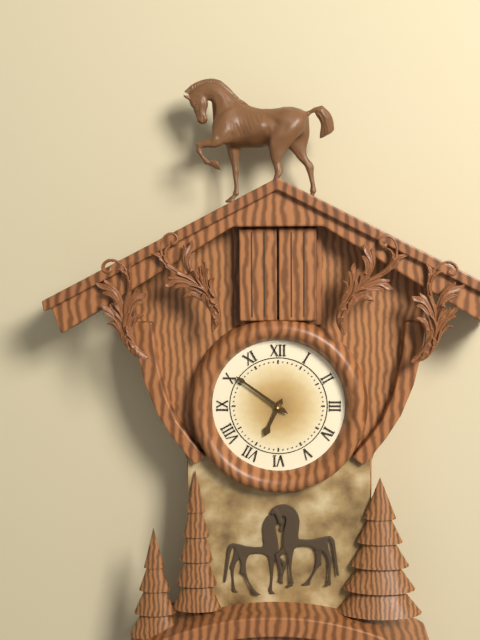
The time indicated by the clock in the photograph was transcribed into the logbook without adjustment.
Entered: 6:51
